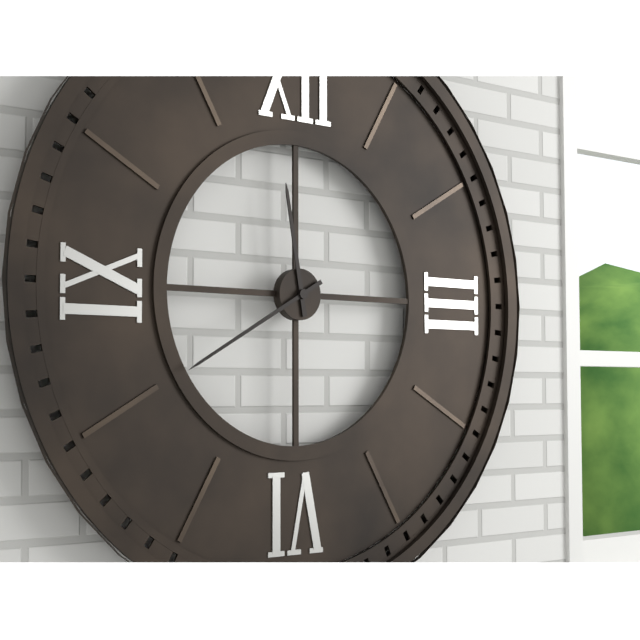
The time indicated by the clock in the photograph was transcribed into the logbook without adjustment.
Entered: 11:40
